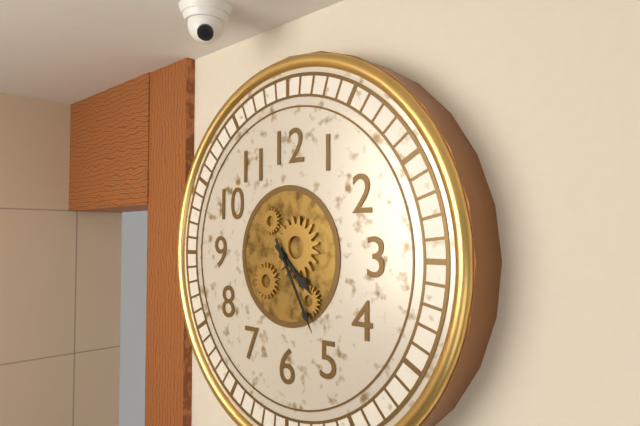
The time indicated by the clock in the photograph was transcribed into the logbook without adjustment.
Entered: 4:25
